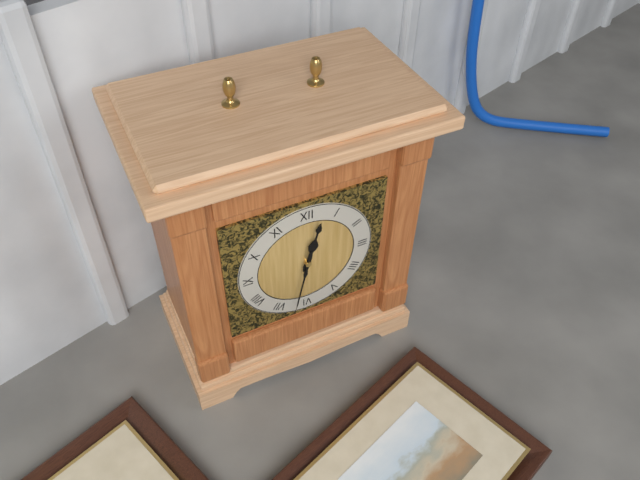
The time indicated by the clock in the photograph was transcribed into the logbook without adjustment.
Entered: 12:32
